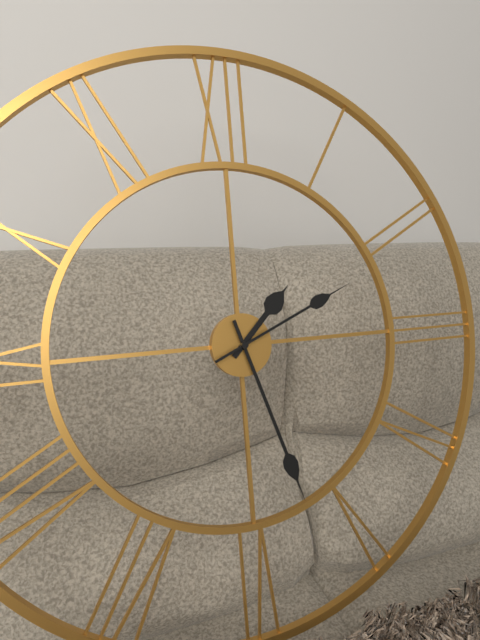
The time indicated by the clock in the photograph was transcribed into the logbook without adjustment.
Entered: 1:27:11
